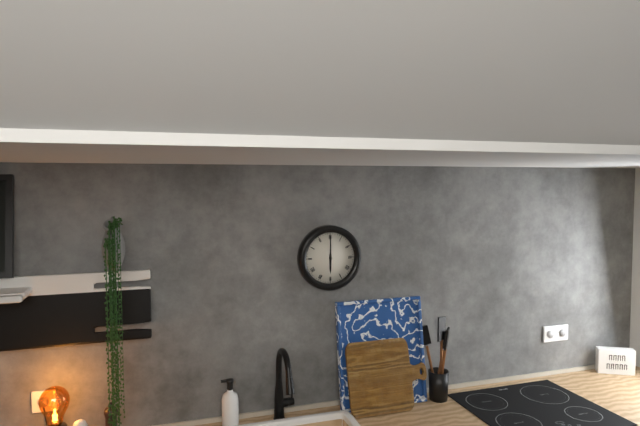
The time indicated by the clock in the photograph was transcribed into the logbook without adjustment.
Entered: 6:00
